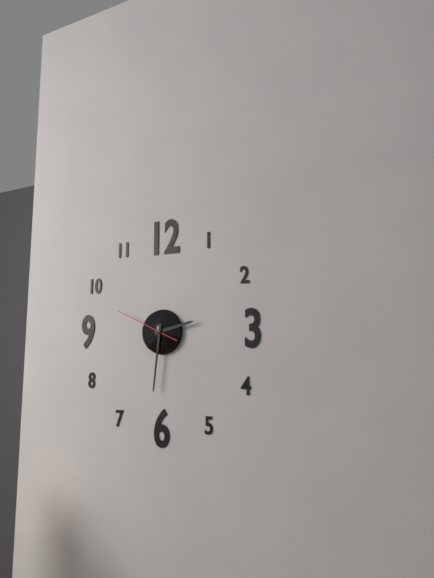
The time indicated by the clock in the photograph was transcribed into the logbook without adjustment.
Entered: 2:31:49
